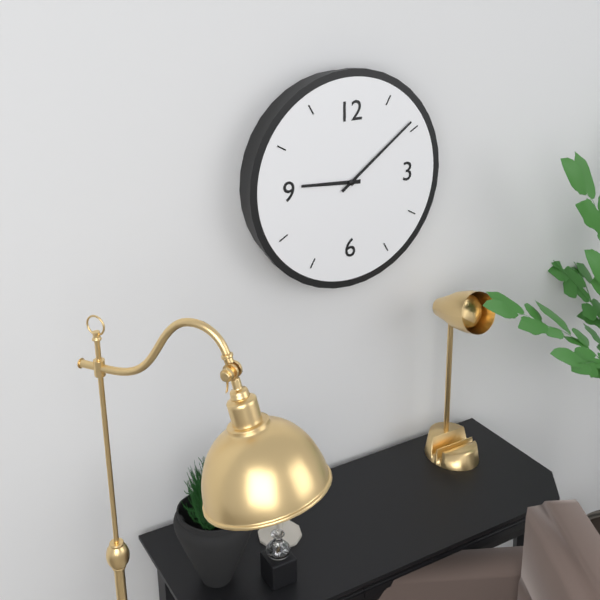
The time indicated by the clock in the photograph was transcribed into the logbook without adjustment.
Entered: 9:09
